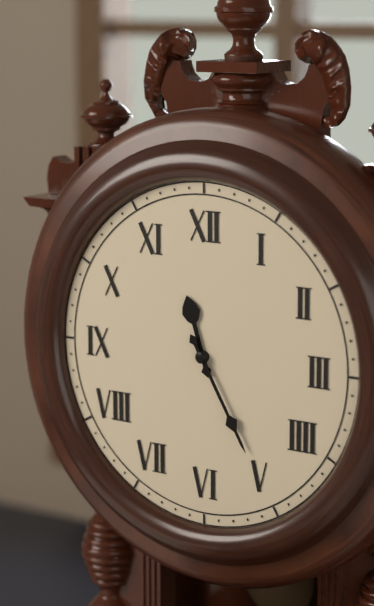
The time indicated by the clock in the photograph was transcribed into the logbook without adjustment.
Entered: 11:25
